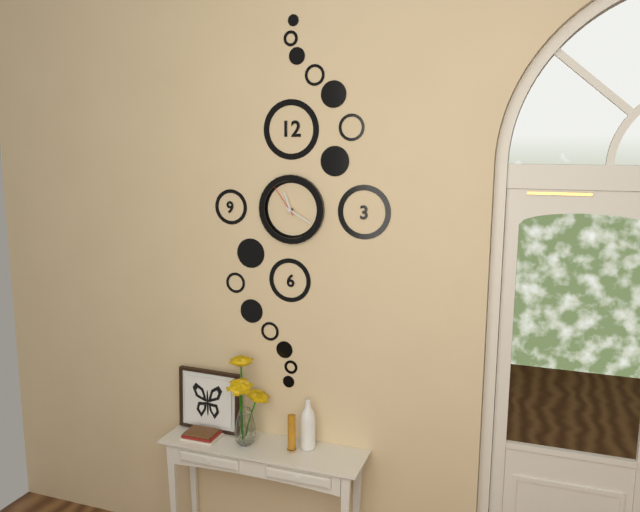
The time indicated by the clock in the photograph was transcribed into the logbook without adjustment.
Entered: 11:20
